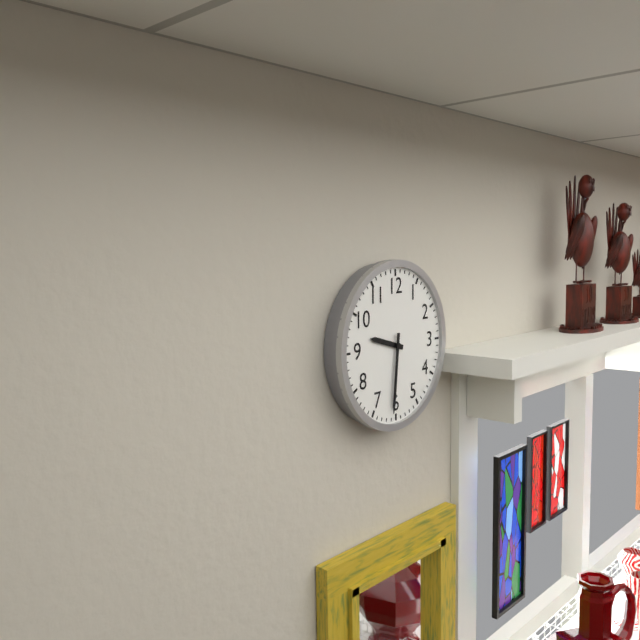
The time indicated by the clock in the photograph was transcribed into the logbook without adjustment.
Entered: 9:31
